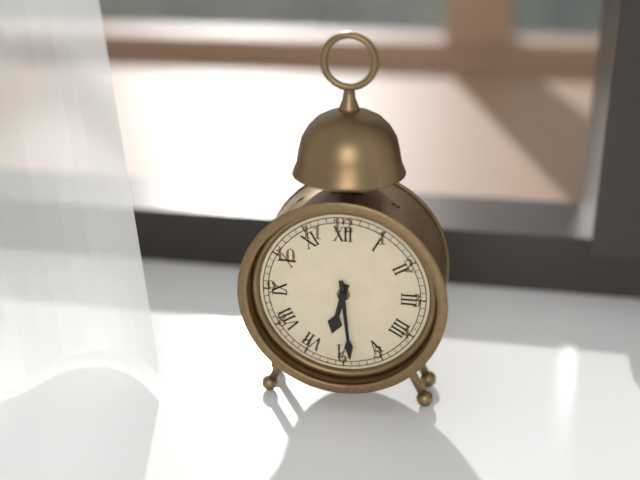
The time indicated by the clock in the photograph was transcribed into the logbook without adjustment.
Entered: 6:29
